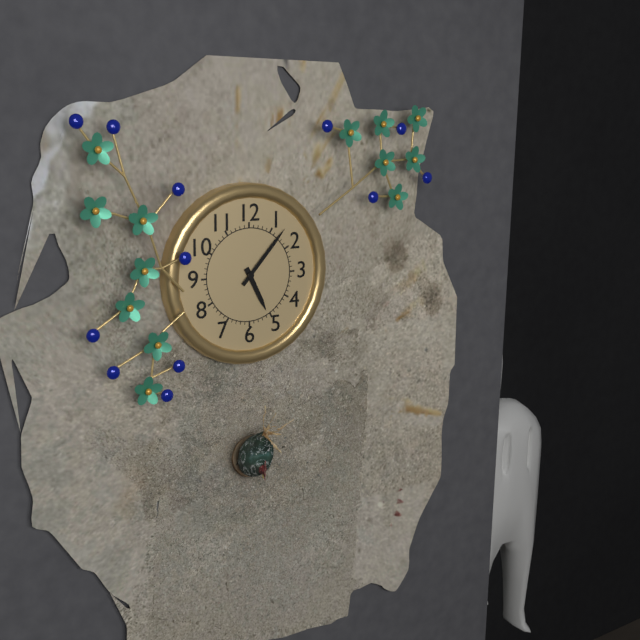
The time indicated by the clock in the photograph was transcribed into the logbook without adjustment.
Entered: 5:07
